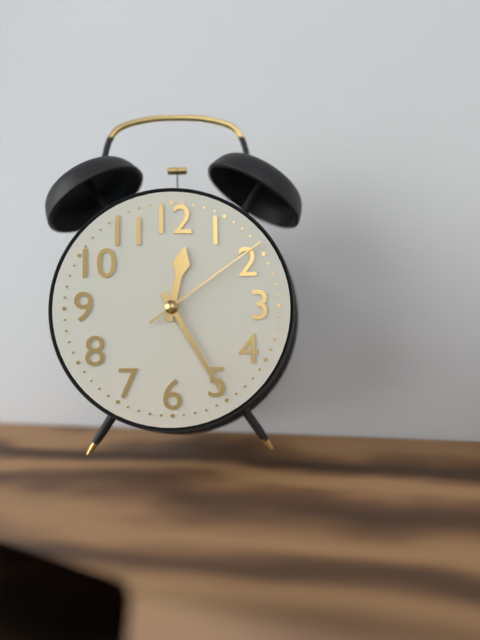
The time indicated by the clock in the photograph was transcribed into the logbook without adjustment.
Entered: 12:25:09
